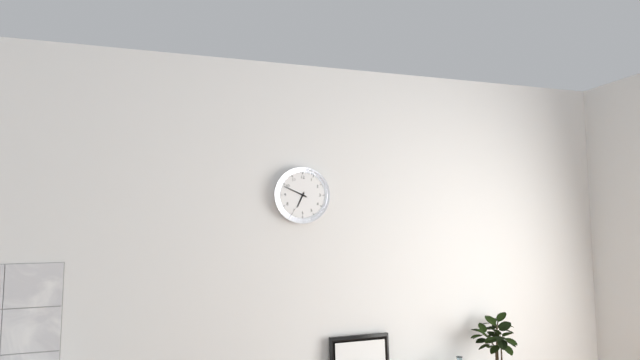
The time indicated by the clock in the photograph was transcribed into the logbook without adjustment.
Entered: 6:49
